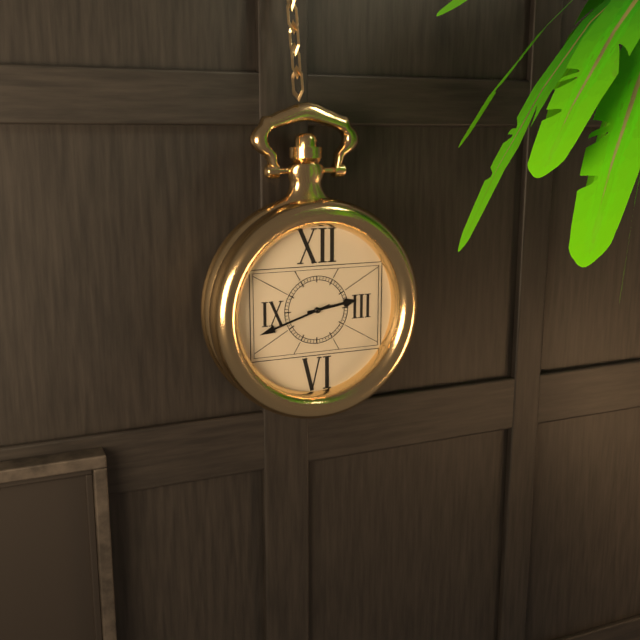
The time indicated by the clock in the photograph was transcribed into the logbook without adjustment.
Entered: 2:42
